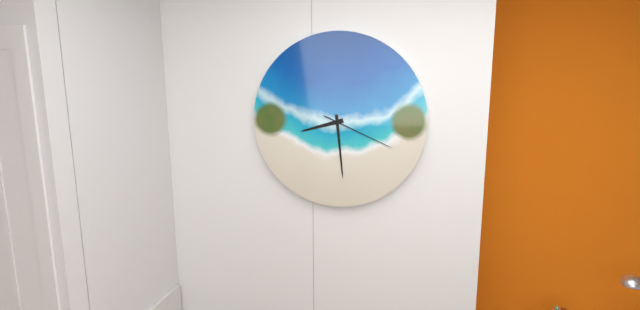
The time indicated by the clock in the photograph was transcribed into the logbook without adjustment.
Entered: 8:29:19
